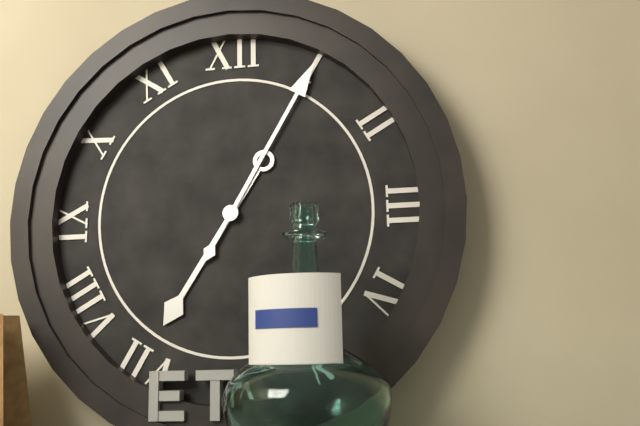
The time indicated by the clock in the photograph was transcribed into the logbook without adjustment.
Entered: 7:05
